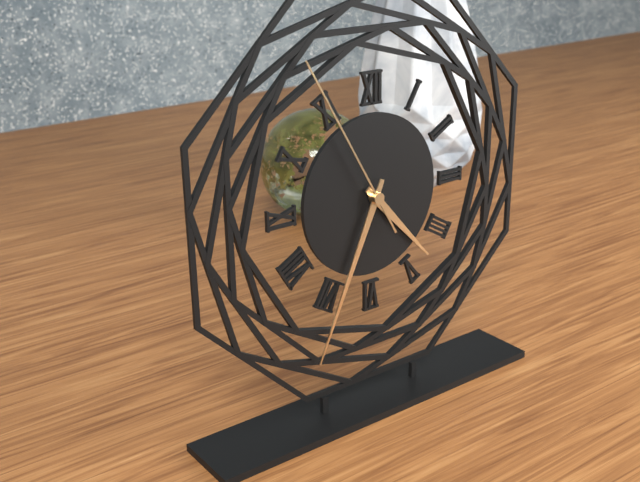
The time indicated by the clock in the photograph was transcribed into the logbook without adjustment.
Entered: 4:34:55
